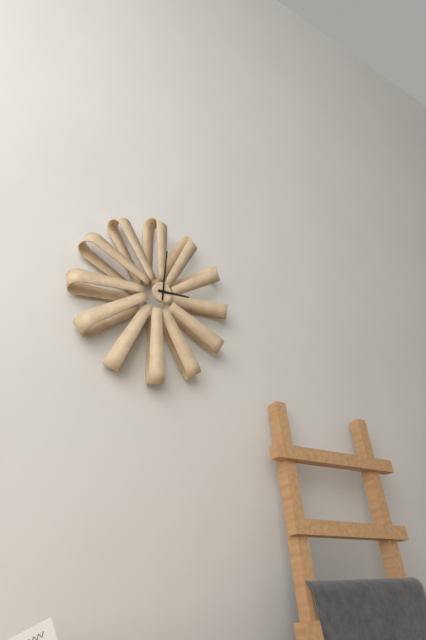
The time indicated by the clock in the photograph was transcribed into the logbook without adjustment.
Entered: 3:01
